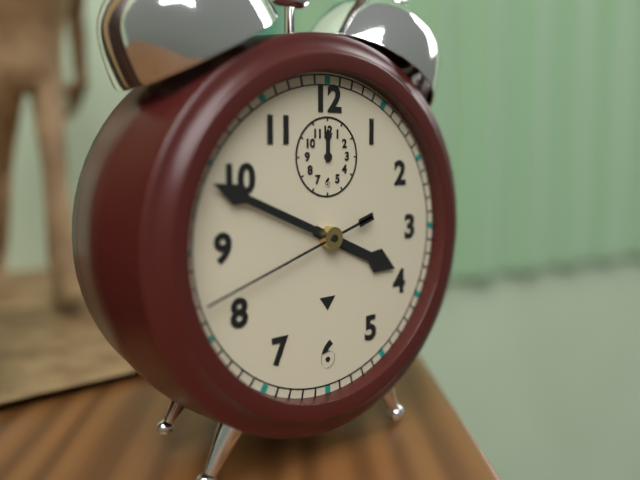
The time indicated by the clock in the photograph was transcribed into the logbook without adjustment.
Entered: 3:49:42
